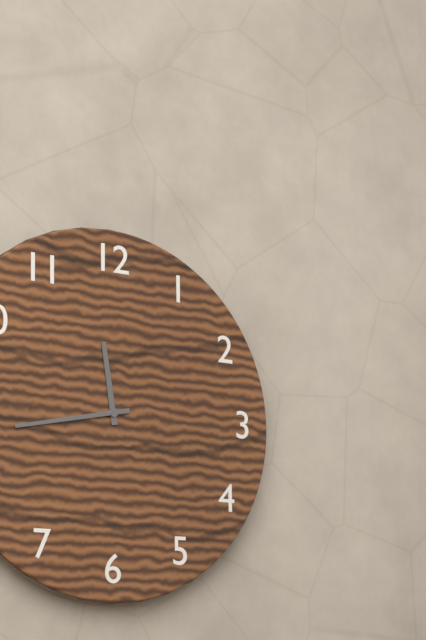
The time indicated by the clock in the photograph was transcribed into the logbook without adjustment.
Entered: 11:43
